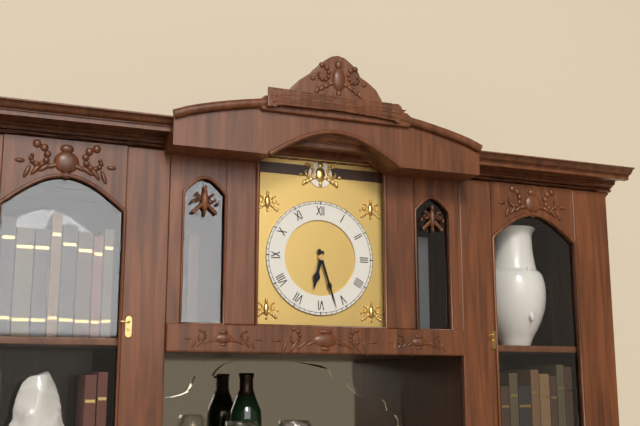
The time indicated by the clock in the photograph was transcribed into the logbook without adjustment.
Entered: 6:27
